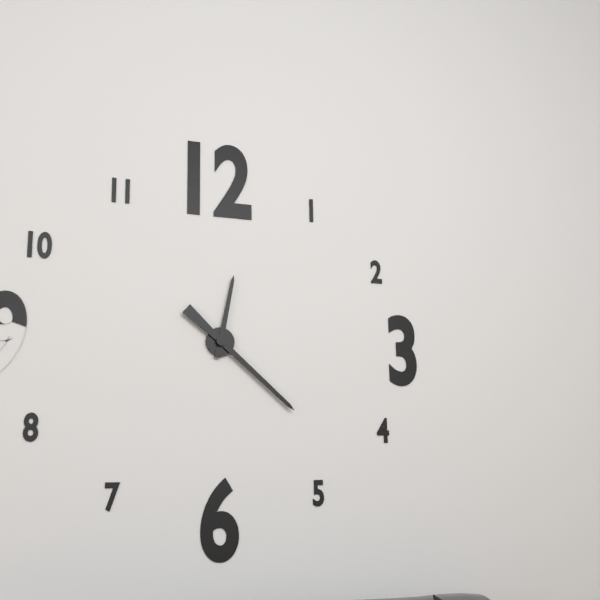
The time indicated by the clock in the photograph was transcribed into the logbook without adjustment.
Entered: 12:22
